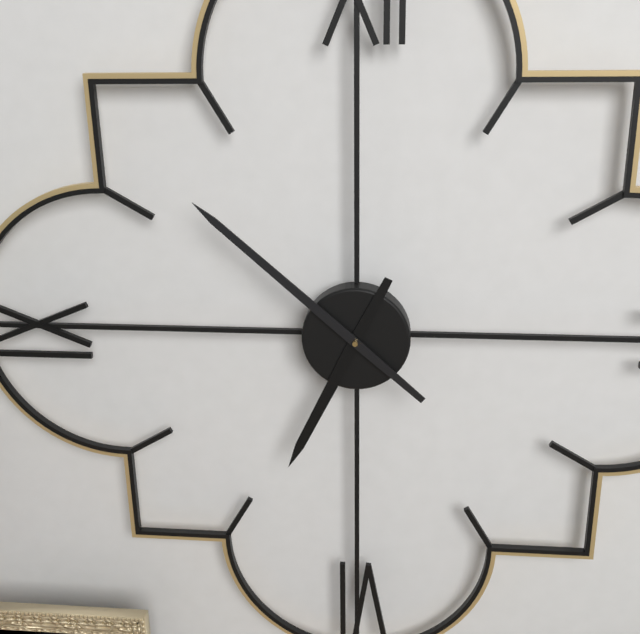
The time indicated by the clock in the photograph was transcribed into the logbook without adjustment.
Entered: 6:52
